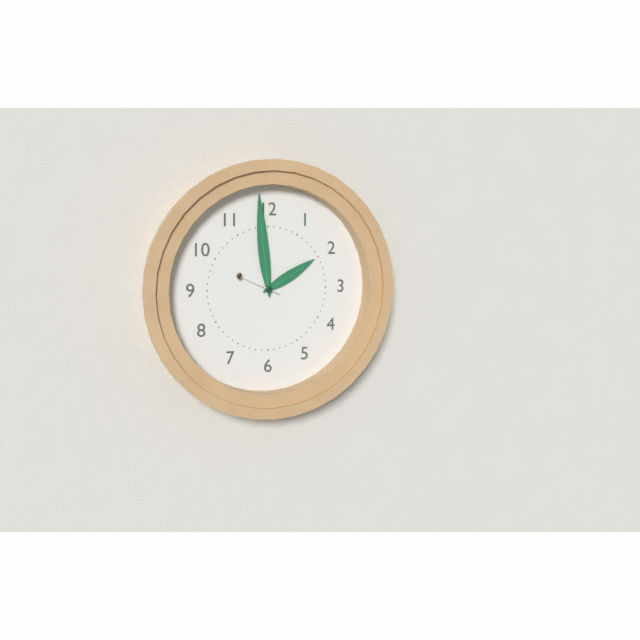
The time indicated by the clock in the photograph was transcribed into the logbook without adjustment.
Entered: 1:59
